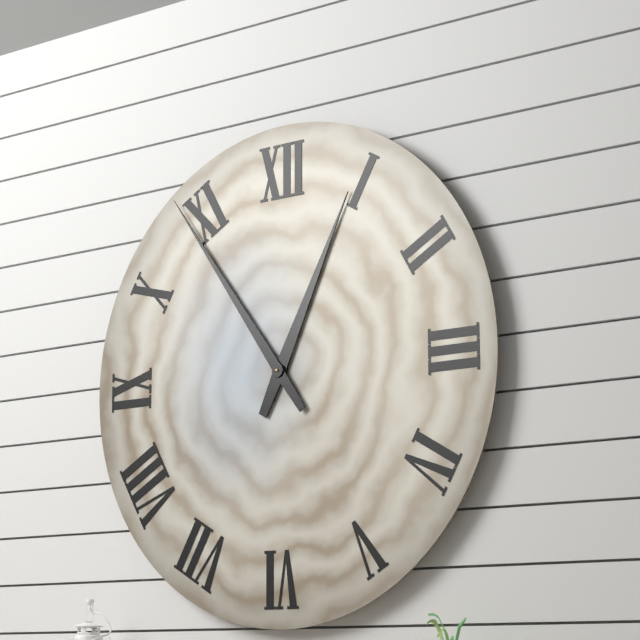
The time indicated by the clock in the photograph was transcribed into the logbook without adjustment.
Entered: 12:54
